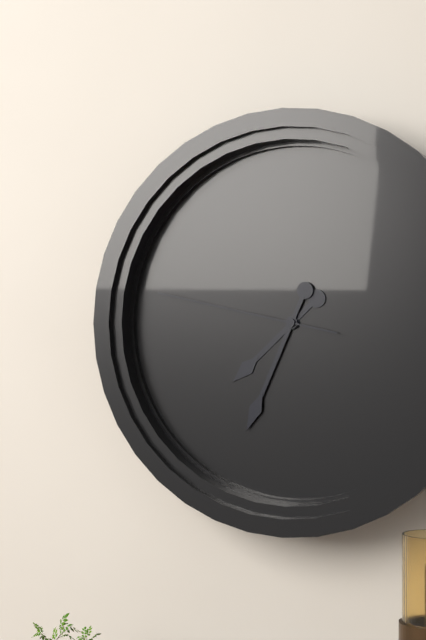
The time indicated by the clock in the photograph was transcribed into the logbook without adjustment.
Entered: 7:34:47
